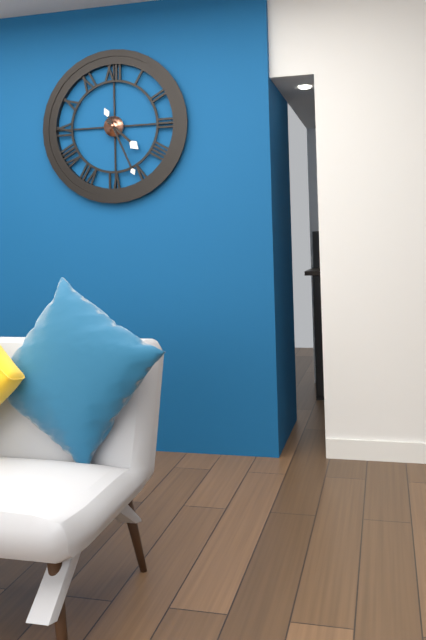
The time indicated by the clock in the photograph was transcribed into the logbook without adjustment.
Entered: 4:26
